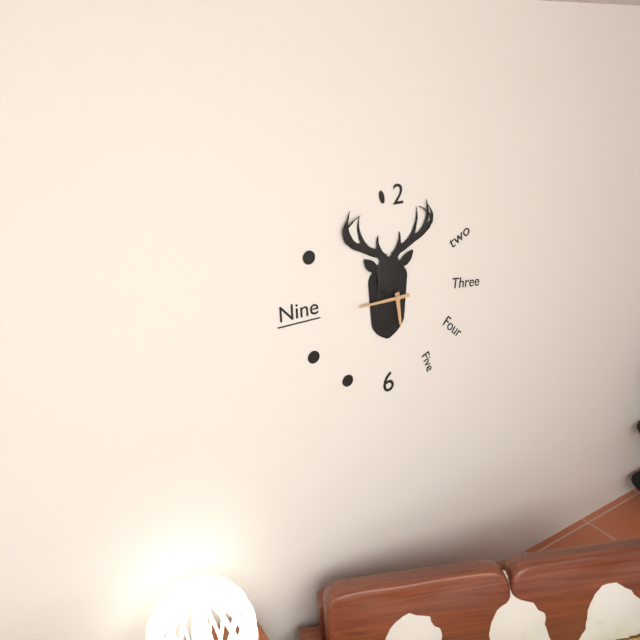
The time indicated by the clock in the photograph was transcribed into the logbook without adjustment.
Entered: 5:45
